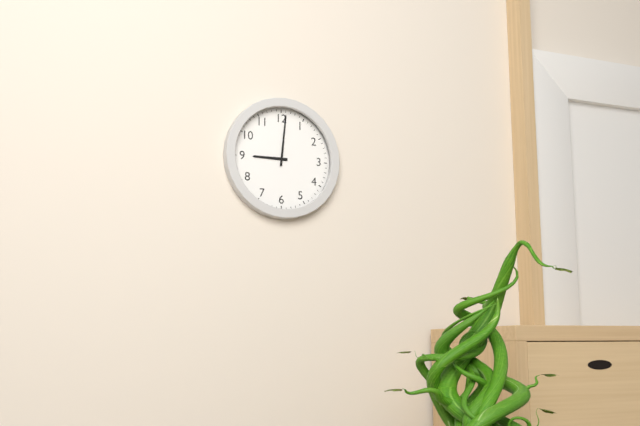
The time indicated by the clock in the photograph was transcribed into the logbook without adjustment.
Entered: 9:01
